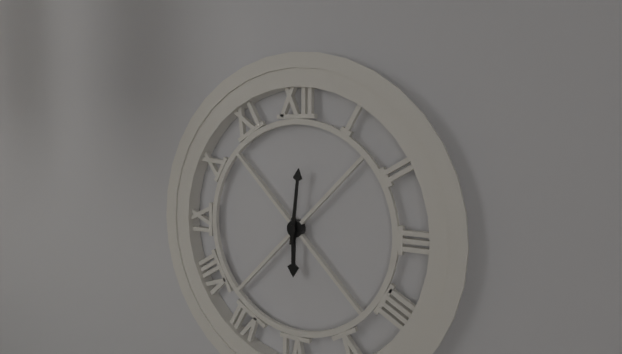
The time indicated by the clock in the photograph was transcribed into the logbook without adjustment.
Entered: 6:01
